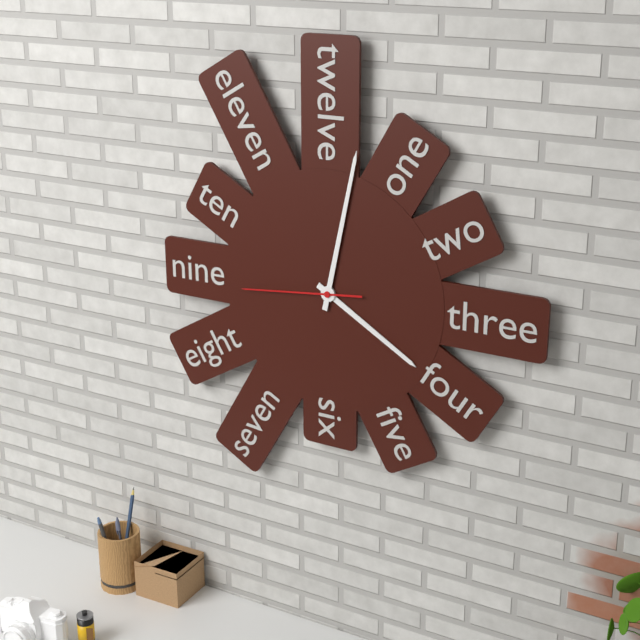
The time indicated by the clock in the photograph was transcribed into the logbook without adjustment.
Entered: 4:02:44
